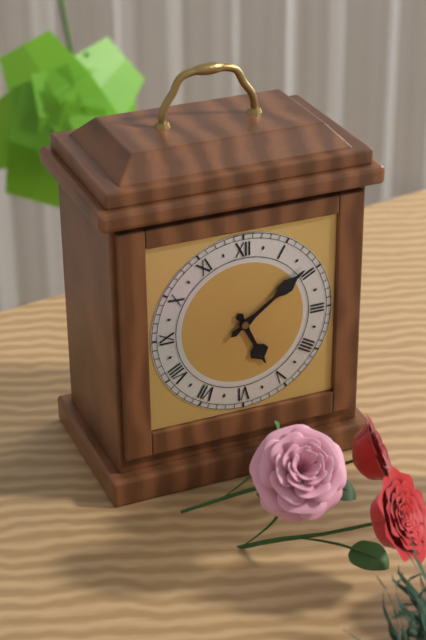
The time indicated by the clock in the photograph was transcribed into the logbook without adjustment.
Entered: 5:09
